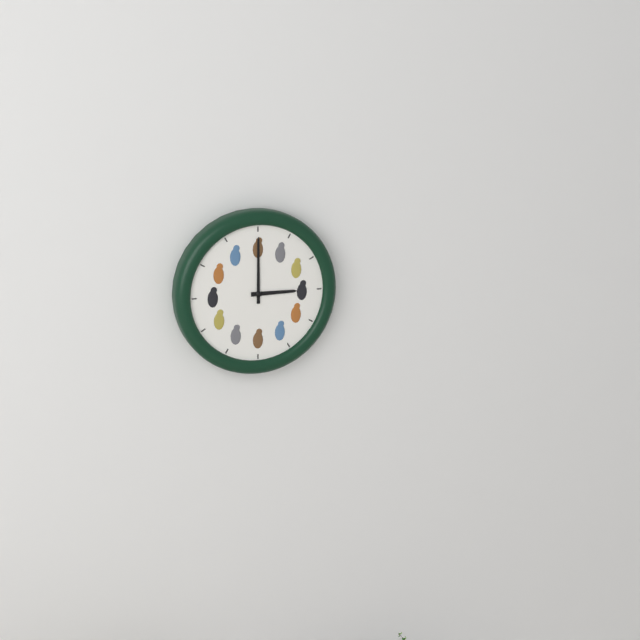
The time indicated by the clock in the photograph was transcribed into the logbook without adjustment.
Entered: 3:00
